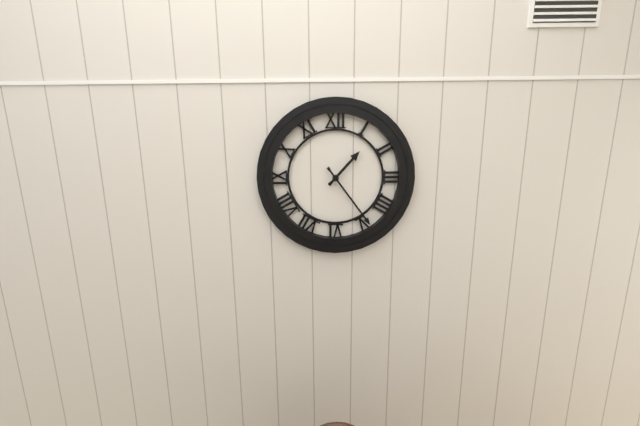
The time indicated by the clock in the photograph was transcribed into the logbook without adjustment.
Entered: 1:24
